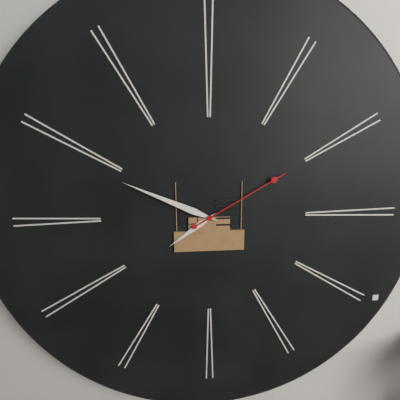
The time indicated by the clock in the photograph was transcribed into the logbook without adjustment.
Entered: 7:49:10
